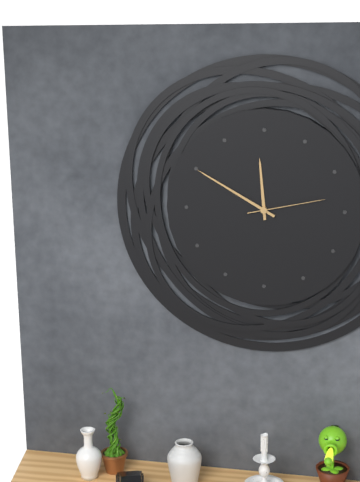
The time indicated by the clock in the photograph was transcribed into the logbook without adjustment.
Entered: 11:50:13
